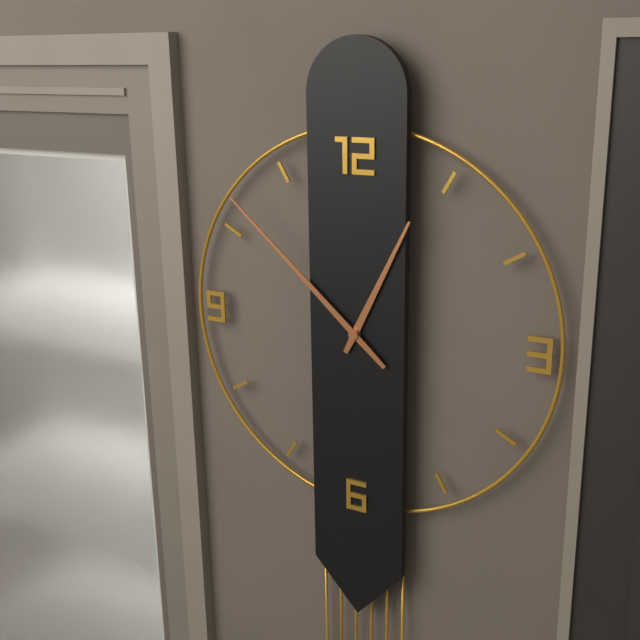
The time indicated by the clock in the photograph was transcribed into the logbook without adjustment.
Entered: 12:52
